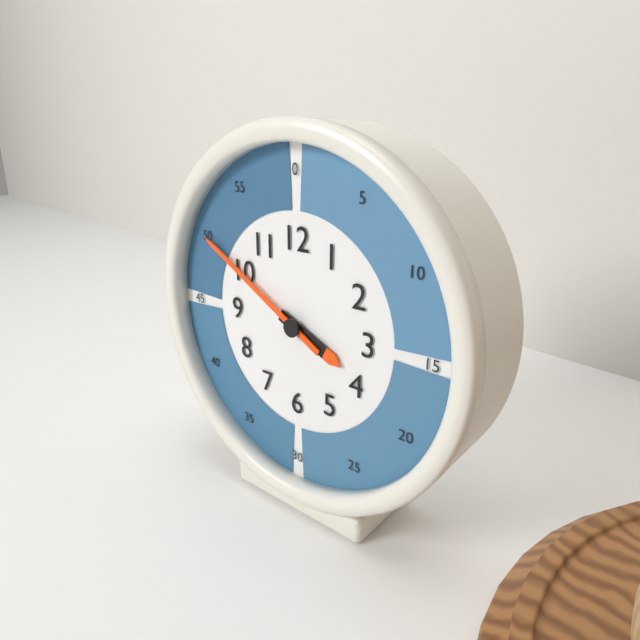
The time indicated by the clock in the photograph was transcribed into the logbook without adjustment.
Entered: 3:50
